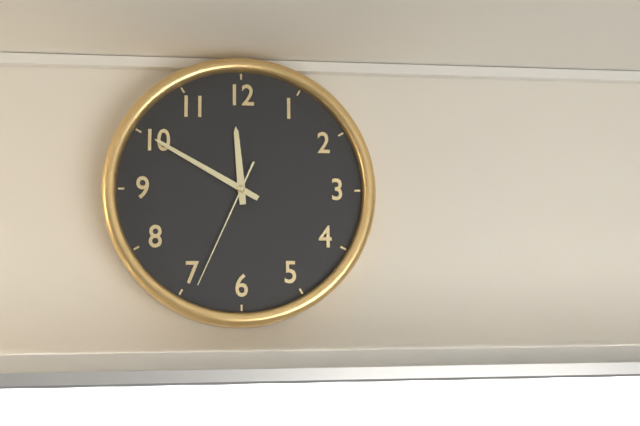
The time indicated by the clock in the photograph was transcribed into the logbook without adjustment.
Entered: 11:50:34
